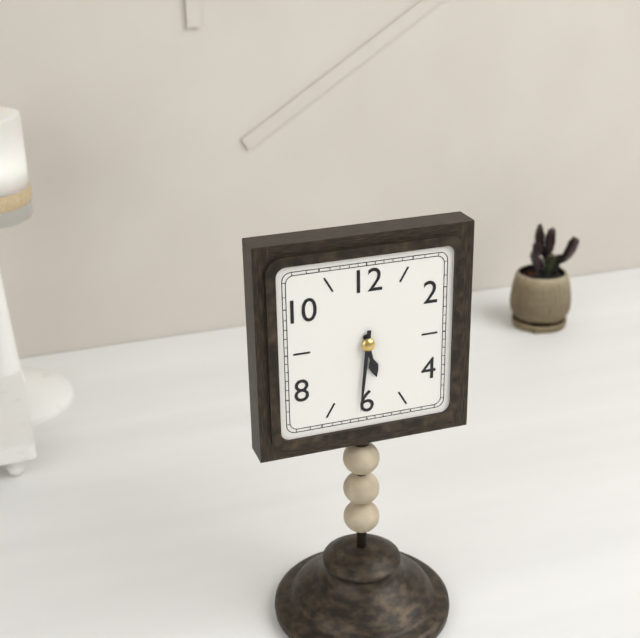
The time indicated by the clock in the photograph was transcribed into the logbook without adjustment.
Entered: 5:31
